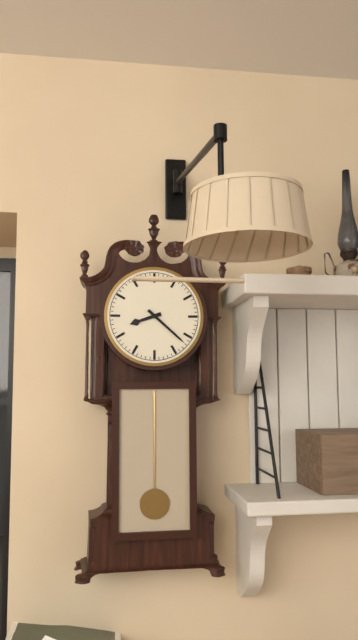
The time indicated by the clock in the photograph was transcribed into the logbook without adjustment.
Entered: 8:22
